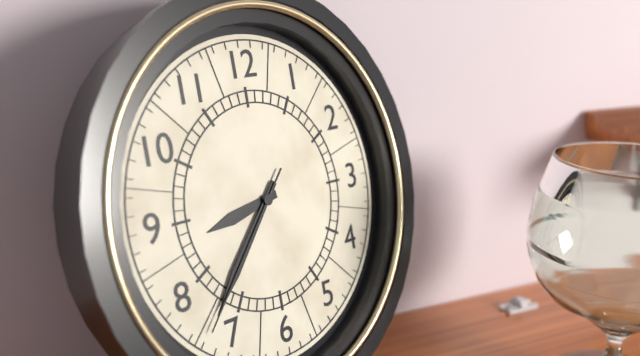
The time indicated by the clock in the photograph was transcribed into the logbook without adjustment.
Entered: 8:37:37
